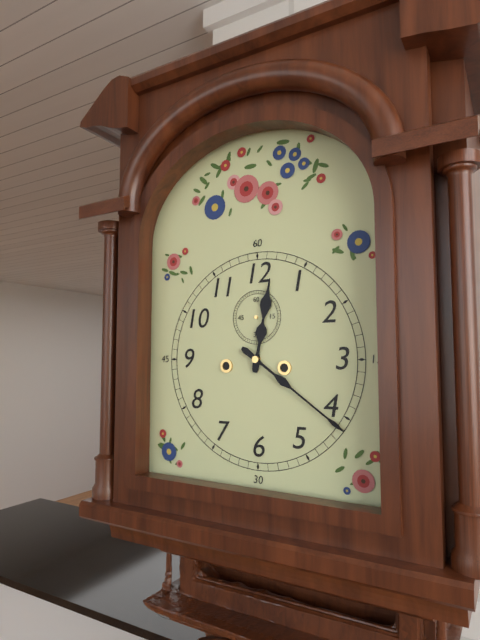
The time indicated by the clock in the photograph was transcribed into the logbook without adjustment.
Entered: 12:21
